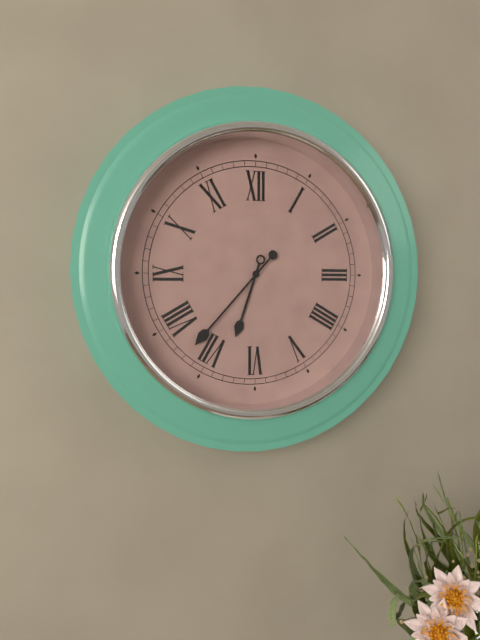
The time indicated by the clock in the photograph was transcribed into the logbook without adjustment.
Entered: 6:37
